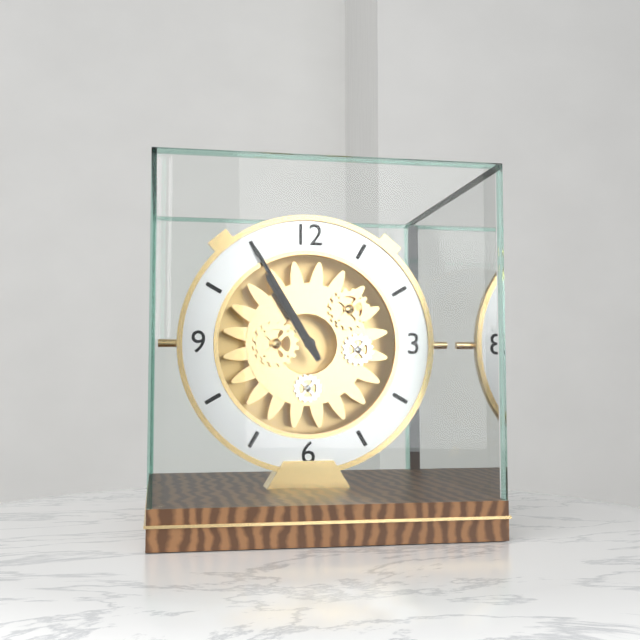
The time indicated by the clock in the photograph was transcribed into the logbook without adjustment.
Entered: 10:55
